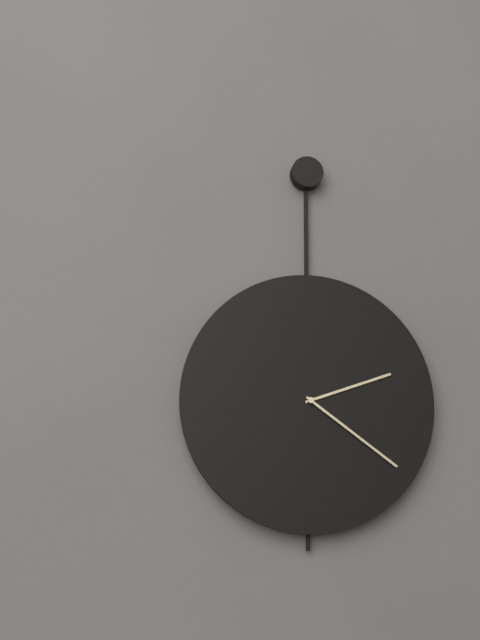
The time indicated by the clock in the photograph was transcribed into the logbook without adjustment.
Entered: 2:21
